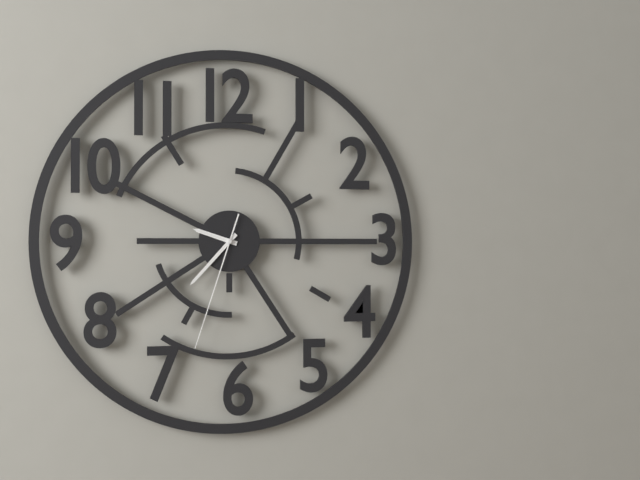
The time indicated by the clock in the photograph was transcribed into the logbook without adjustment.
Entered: 9:37:33
